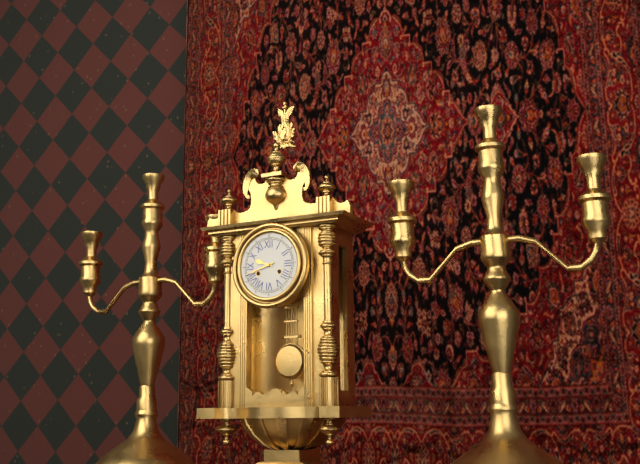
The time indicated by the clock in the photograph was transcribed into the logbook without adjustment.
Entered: 9:42
